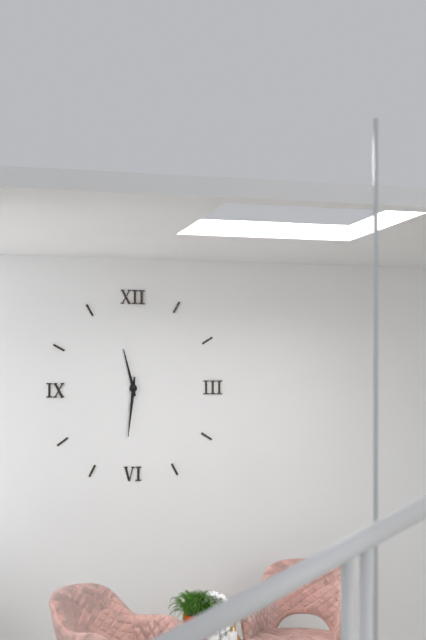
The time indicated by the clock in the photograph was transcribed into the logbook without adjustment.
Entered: 11:31
